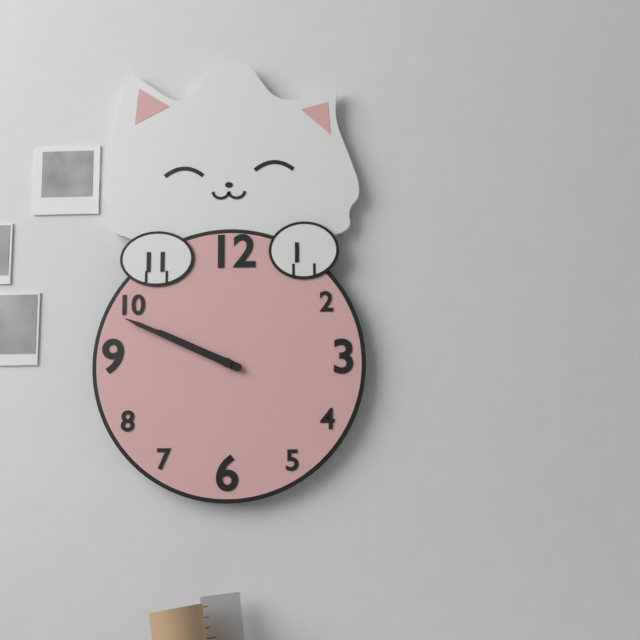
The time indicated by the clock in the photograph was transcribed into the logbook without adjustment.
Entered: 9:49
